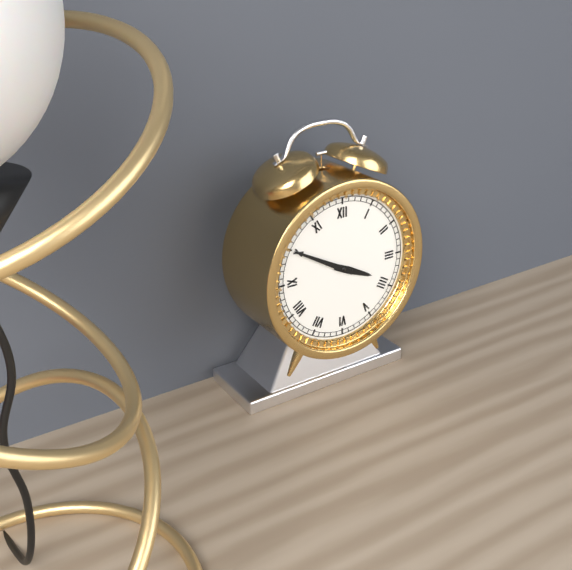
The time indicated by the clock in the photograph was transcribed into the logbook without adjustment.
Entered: 3:50
